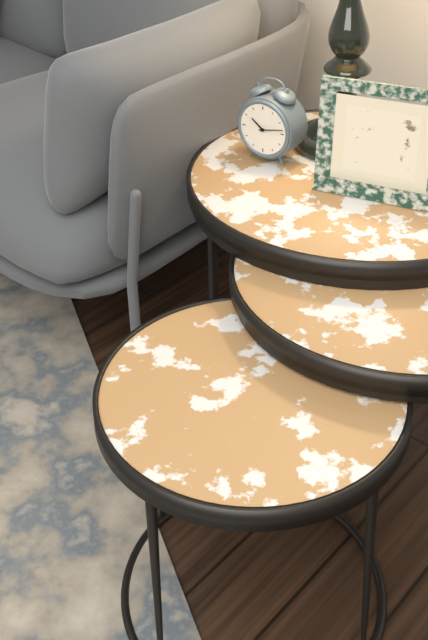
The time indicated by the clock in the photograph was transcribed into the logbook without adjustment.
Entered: 10:13
